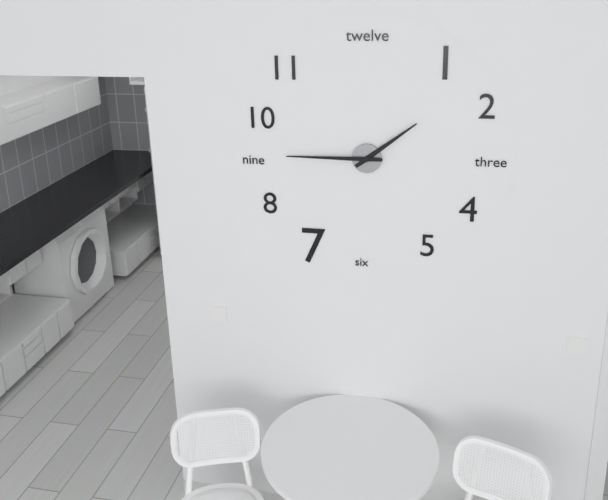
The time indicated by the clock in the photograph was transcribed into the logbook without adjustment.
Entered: 1:45
